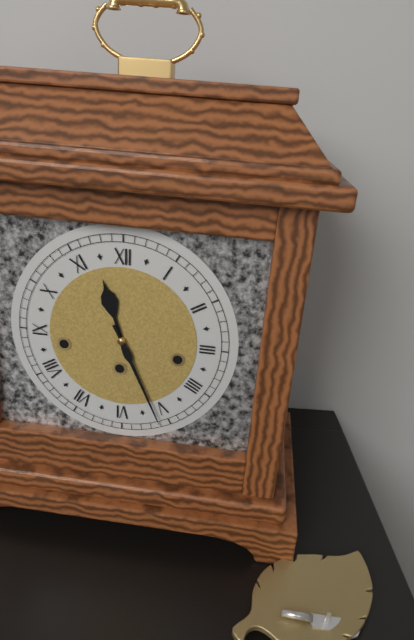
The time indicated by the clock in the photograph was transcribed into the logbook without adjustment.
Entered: 11:26
